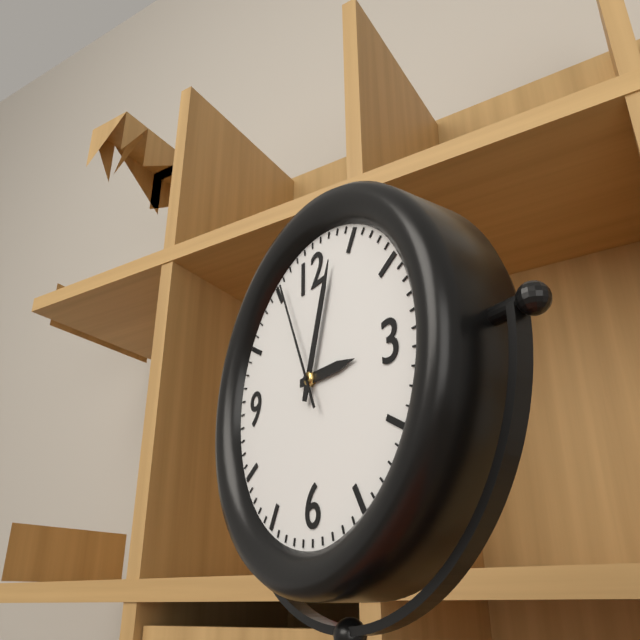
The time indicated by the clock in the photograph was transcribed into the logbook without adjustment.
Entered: 3:03:56
